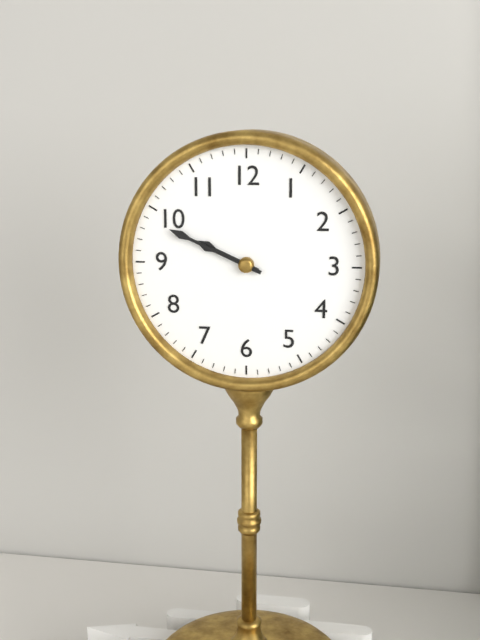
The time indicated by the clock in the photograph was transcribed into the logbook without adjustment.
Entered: 9:49
